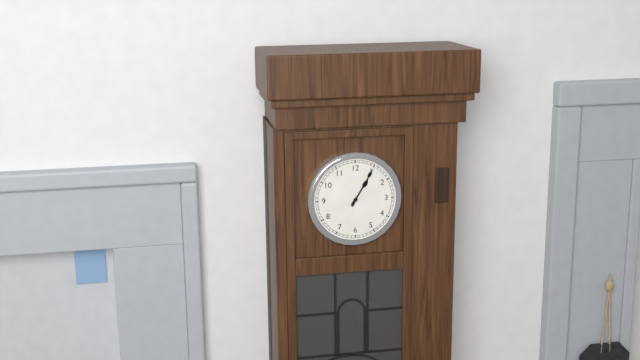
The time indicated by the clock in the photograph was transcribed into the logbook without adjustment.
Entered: 1:05
